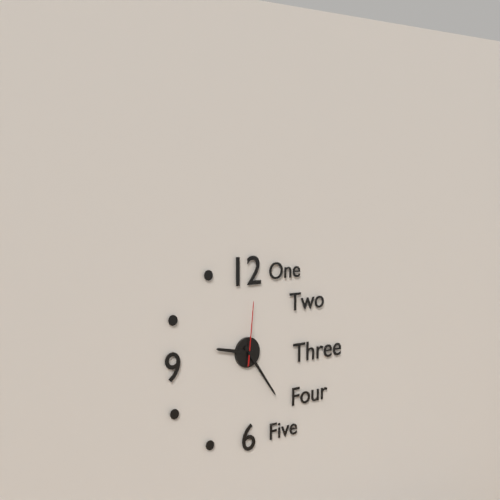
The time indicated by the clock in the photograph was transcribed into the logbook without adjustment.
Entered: 9:24:01
